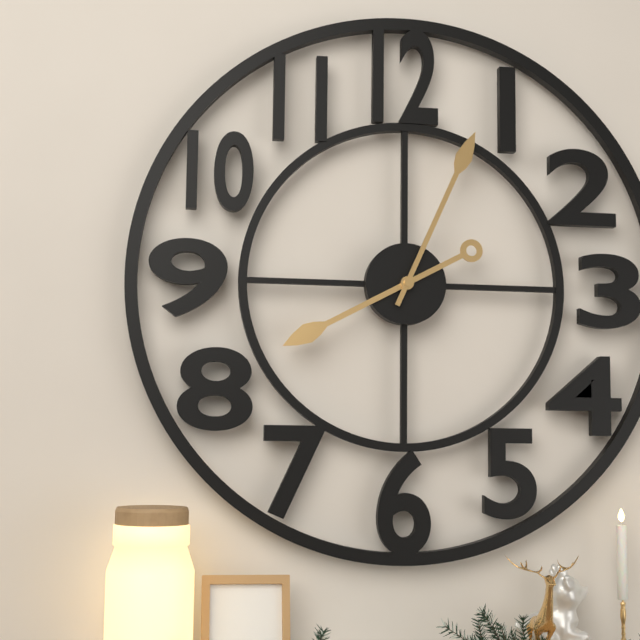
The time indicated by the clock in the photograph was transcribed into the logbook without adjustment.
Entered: 8:04
